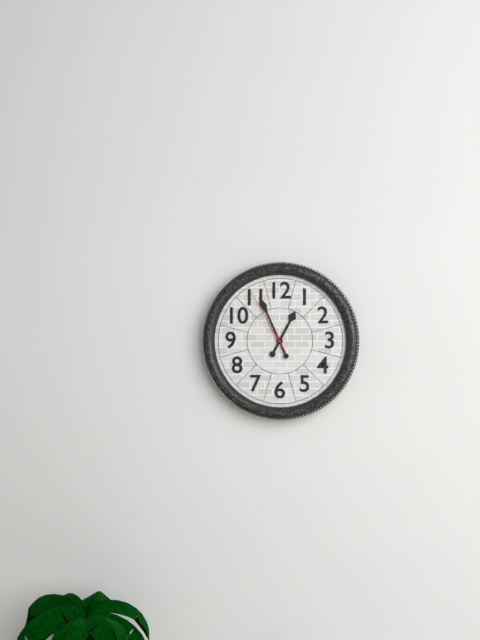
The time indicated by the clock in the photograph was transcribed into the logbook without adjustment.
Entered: 12:56:55
